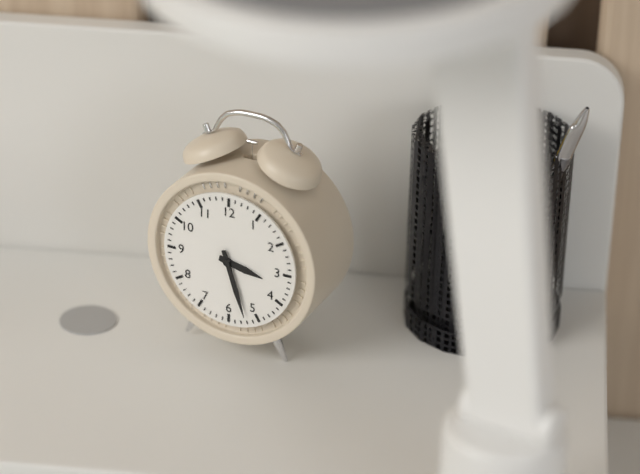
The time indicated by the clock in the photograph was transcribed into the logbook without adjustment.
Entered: 3:27
